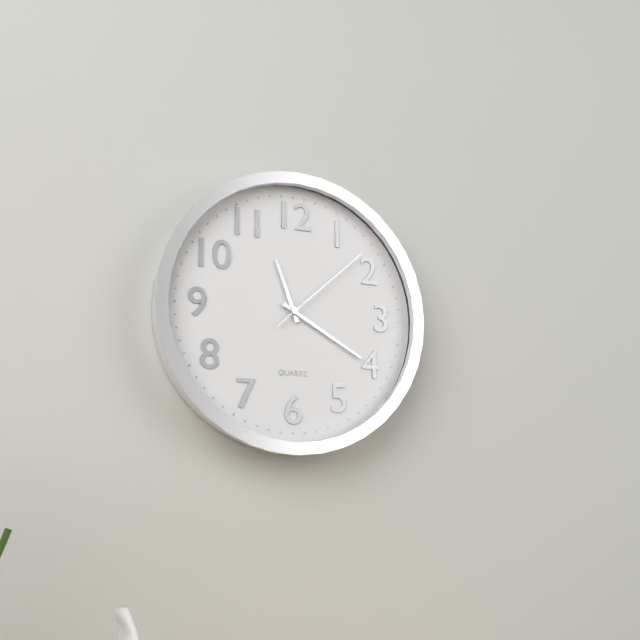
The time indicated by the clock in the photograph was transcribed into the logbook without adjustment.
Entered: 11:20:08
